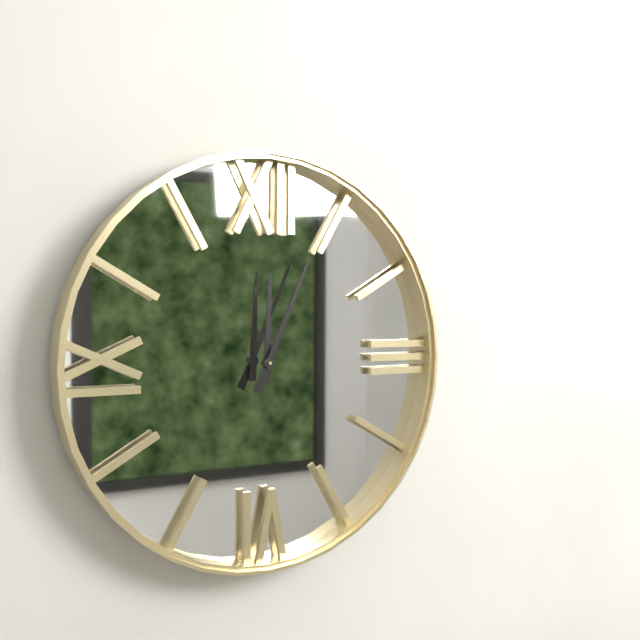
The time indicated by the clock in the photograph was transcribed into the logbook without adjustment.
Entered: 12:04
